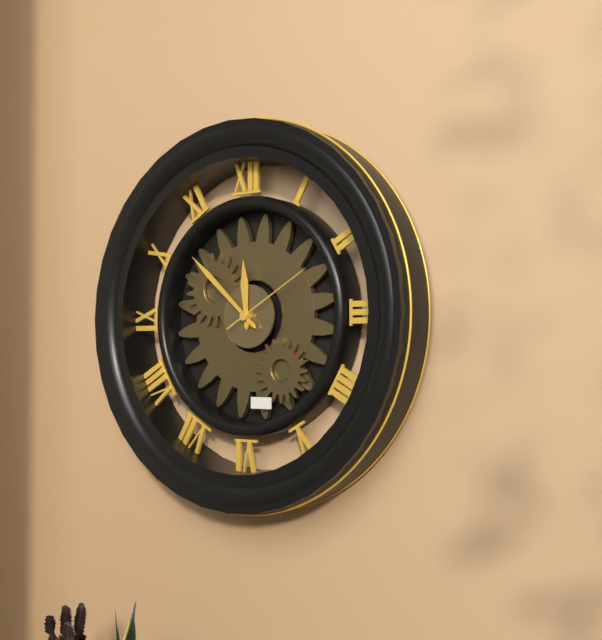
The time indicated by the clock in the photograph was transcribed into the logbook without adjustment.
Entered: 11:52:10
